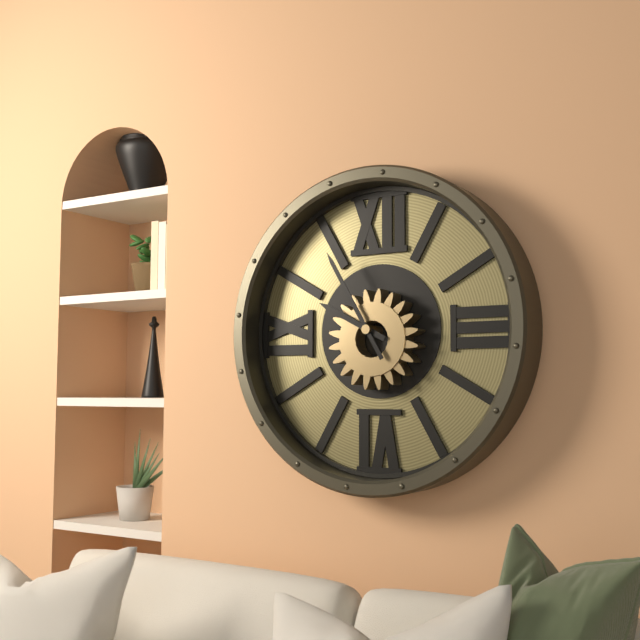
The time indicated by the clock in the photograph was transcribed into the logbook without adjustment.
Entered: 9:55
